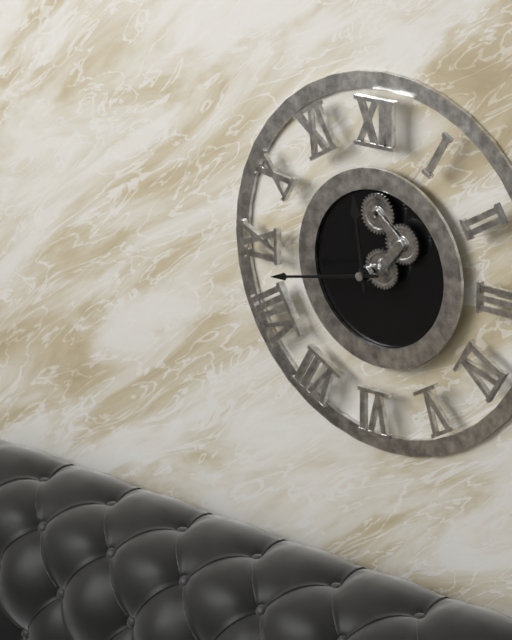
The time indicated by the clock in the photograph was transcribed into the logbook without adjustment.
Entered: 11:43
